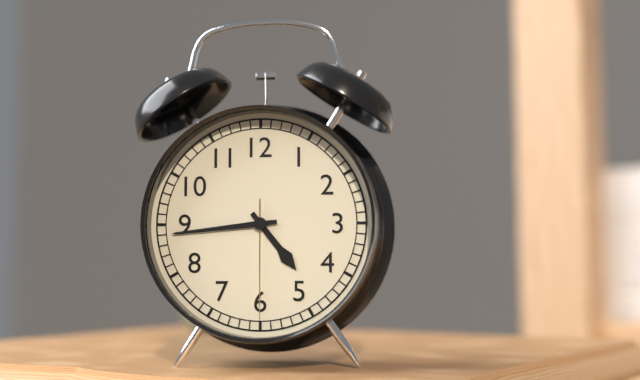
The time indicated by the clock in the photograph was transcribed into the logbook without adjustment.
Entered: 4:44:30
